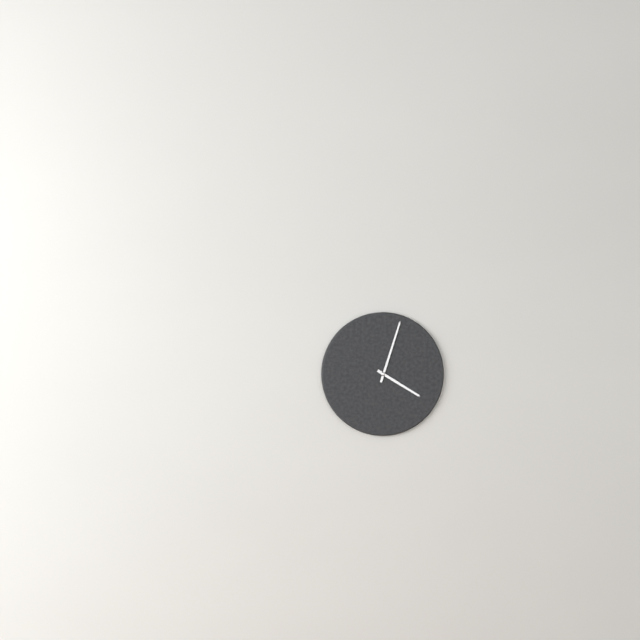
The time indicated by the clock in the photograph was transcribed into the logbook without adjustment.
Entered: 4:03
